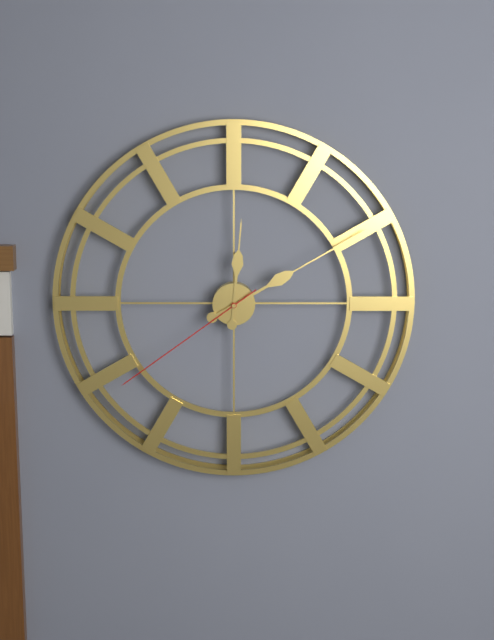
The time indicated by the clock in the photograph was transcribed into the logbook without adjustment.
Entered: 12:10:39
